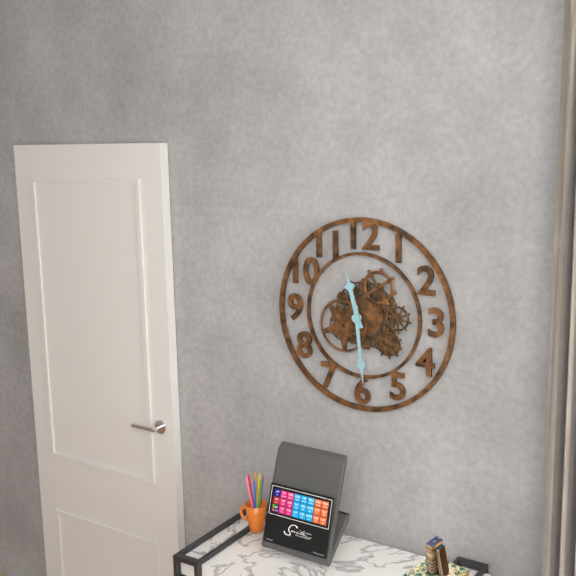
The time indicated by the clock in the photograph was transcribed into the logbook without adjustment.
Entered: 11:29
